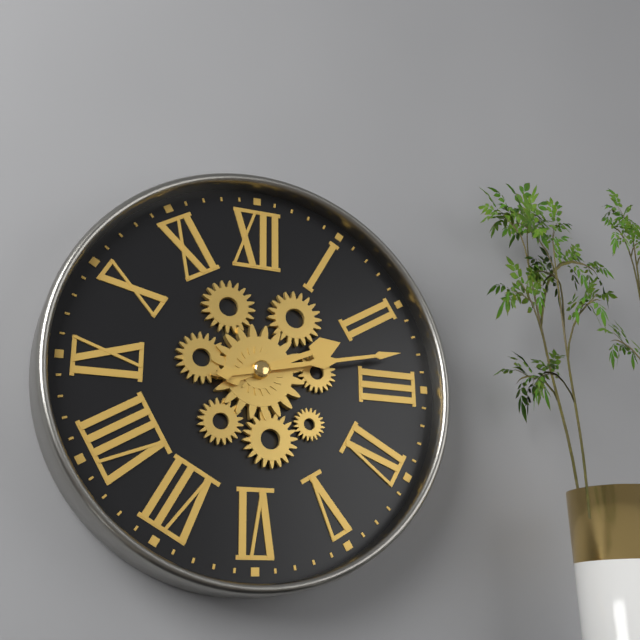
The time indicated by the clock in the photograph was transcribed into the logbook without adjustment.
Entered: 2:13
